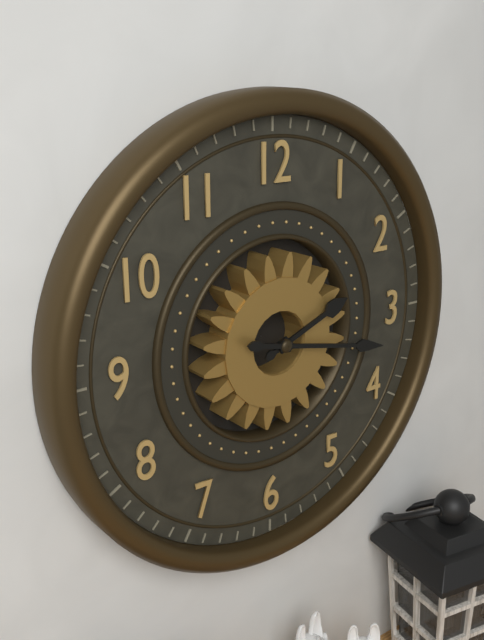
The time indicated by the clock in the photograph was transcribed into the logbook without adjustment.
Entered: 2:17
